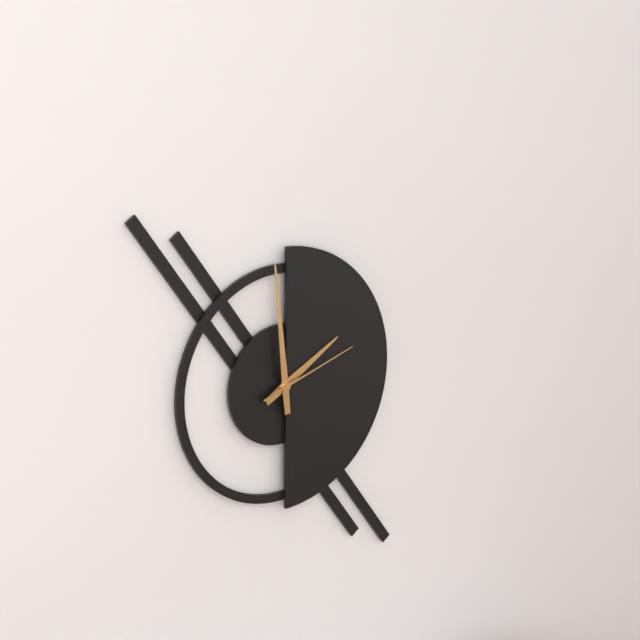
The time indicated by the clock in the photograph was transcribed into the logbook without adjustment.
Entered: 1:59:12
